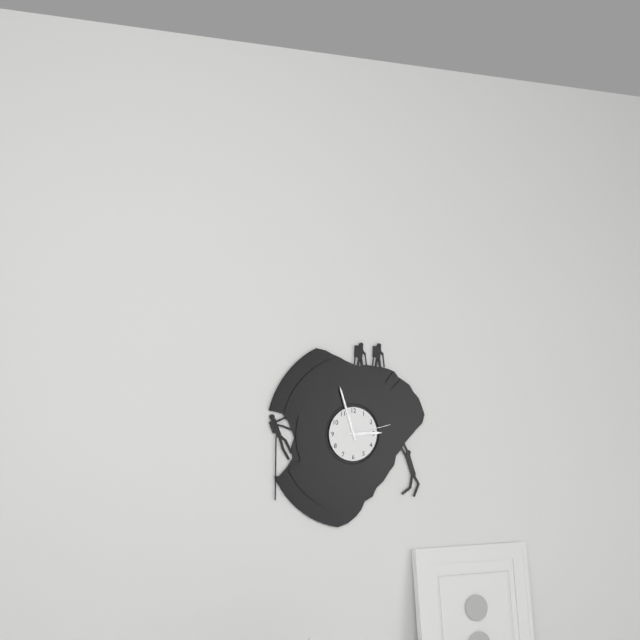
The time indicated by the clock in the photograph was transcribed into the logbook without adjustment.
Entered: 2:57
